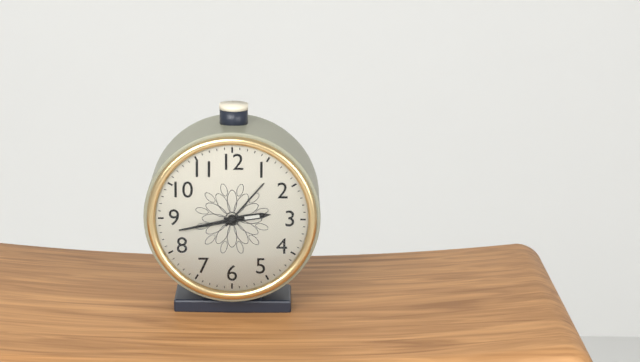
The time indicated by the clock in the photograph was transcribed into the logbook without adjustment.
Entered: 2:43
